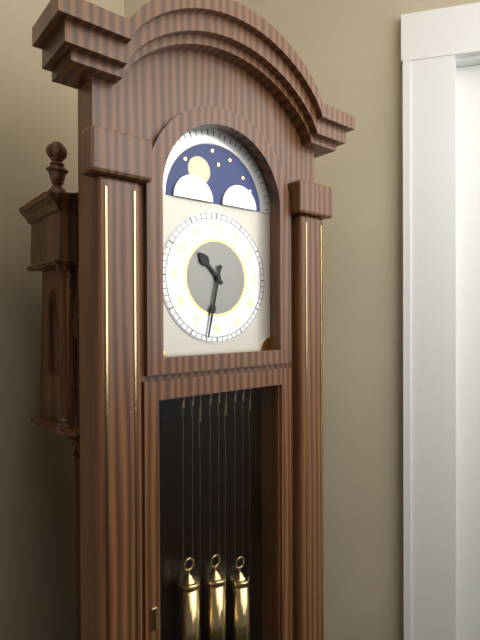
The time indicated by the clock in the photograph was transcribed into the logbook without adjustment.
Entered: 10:32
